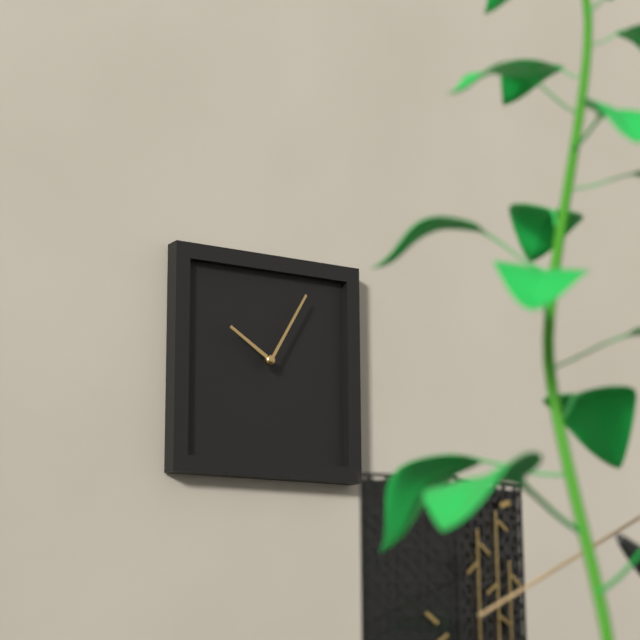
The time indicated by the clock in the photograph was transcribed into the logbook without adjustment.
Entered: 10:05
